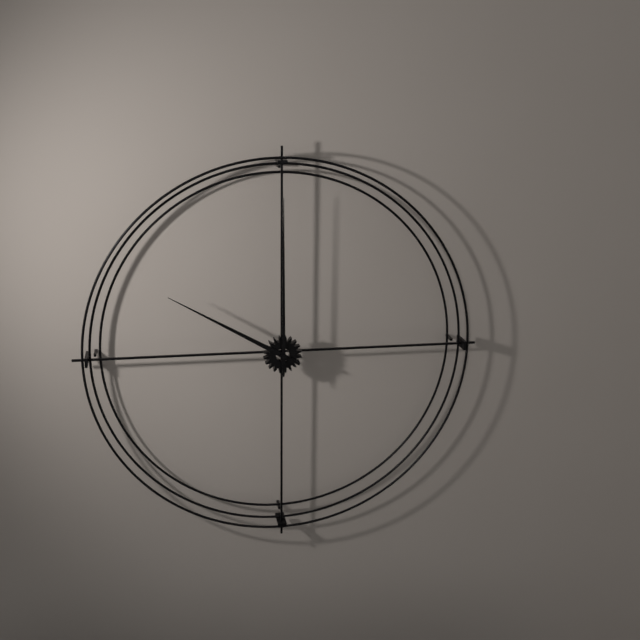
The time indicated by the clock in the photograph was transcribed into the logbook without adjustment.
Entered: 10:00
